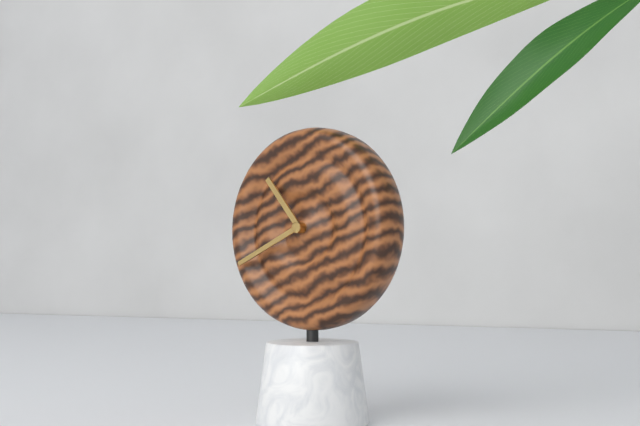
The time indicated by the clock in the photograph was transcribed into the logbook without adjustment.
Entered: 10:41
